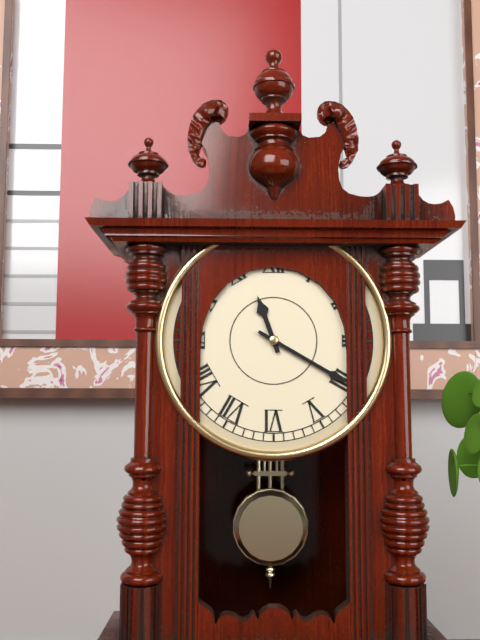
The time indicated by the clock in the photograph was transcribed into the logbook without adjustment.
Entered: 11:20
